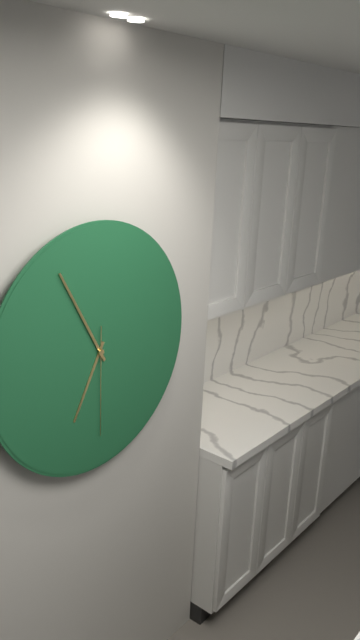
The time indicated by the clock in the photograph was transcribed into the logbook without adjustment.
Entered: 6:55:30
